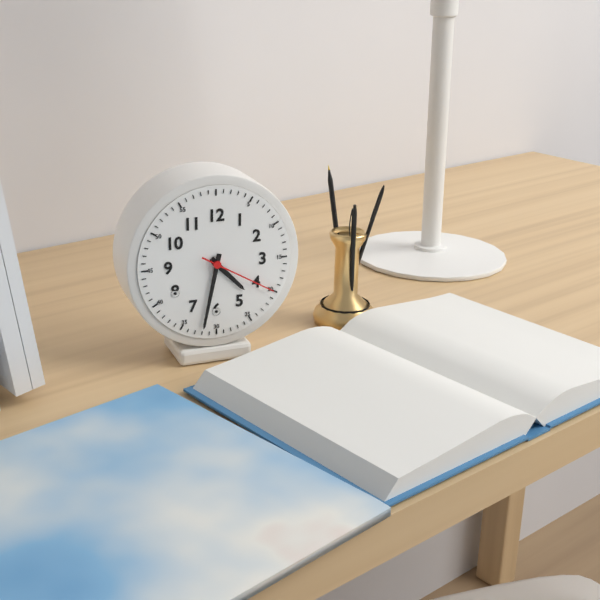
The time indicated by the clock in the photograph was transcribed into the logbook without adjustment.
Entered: 4:32:20
